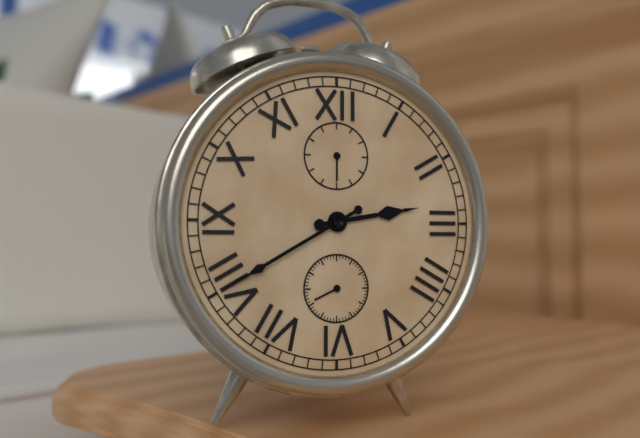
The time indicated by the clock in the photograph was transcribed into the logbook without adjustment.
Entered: 2:40
